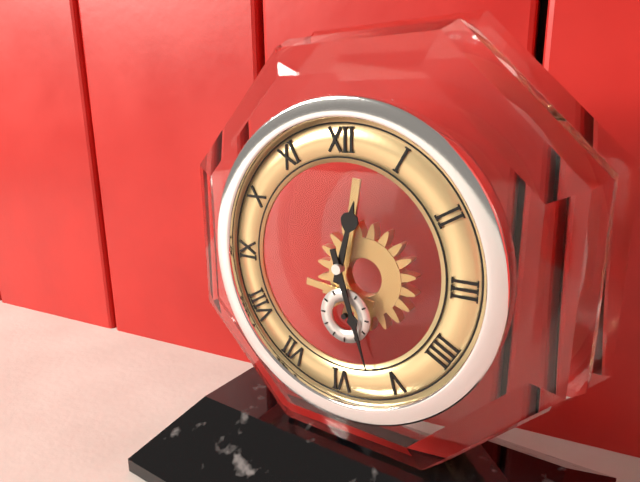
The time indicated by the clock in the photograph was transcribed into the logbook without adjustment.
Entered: 12:27
